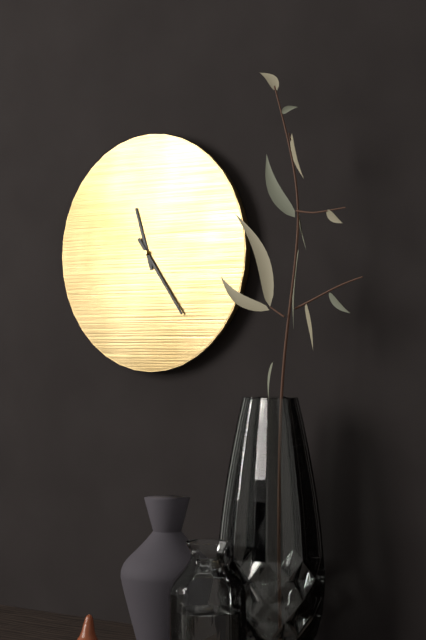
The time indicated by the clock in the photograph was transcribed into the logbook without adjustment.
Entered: 11:24
